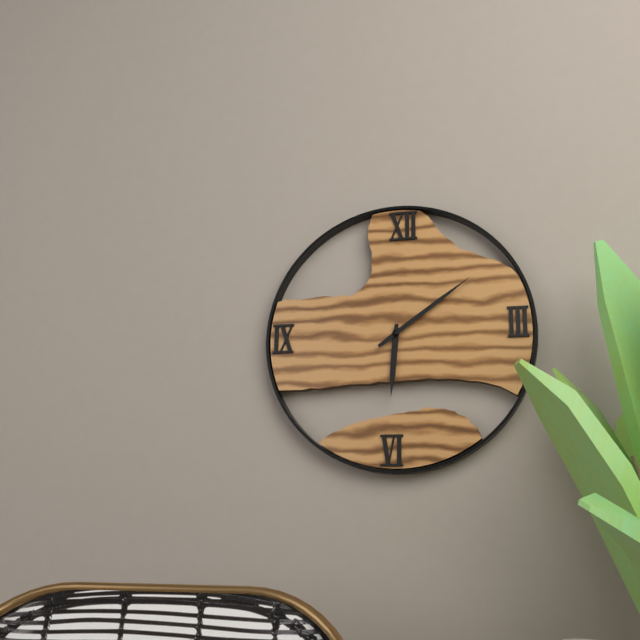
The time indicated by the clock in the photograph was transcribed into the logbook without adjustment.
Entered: 6:09
